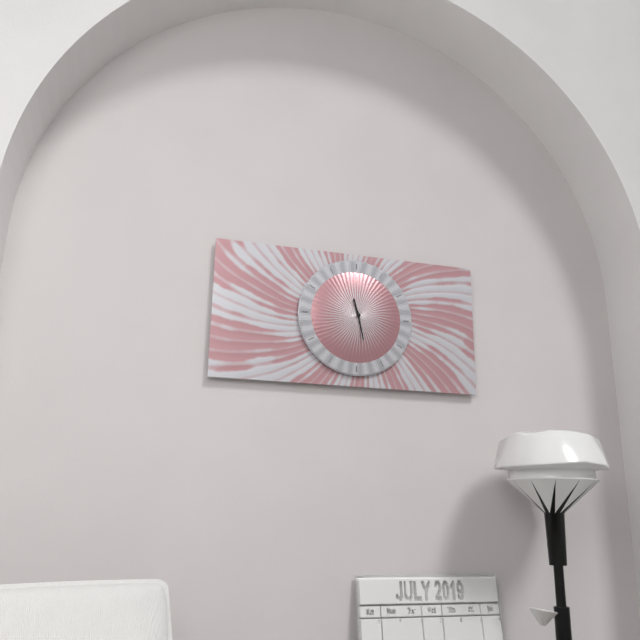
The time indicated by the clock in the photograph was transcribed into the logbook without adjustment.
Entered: 11:28
